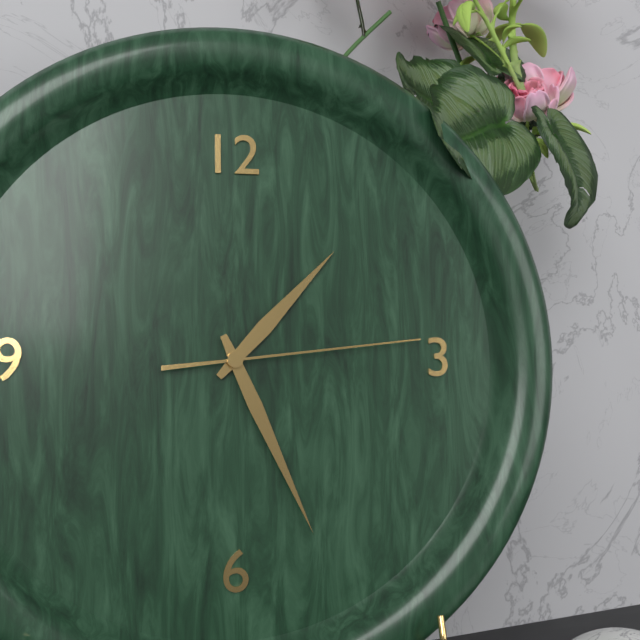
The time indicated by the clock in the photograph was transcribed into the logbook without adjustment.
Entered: 1:26:14
